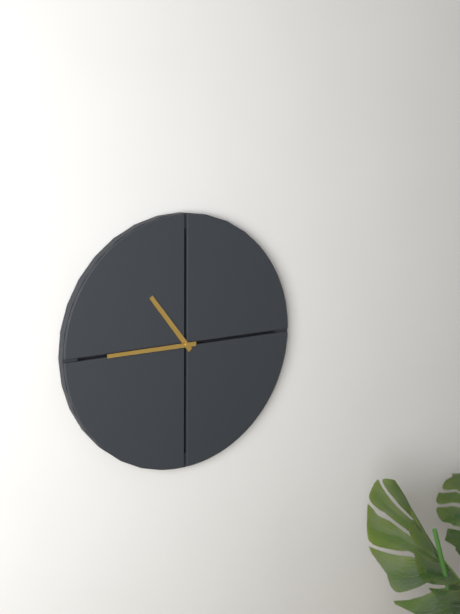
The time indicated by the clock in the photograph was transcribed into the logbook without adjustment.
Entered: 10:45
